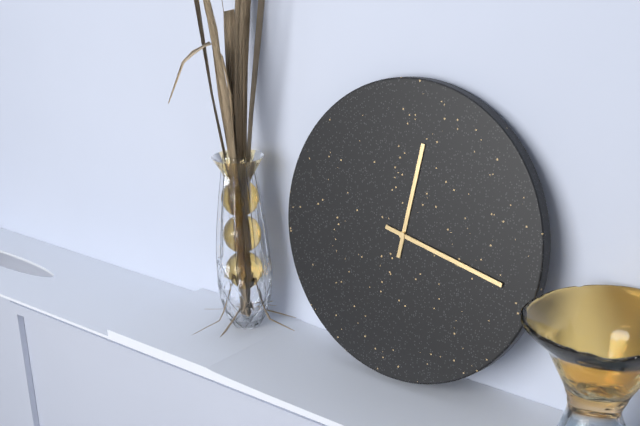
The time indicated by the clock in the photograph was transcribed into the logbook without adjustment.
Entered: 12:17
